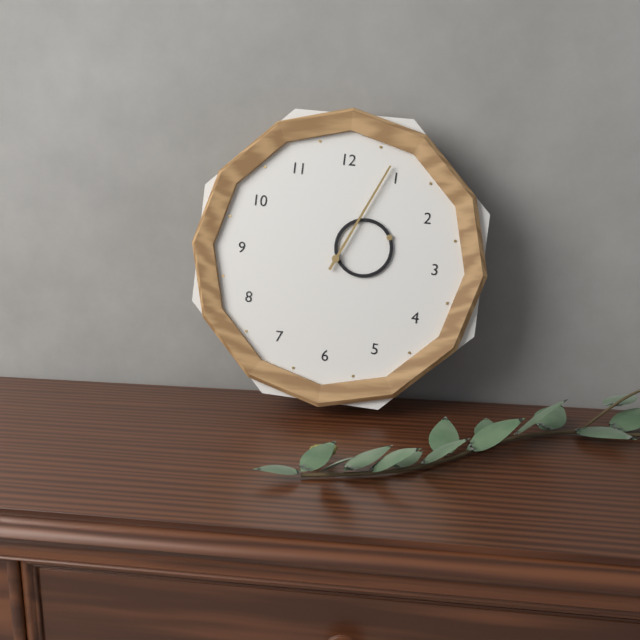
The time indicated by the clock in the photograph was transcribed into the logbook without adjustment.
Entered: 2:04
